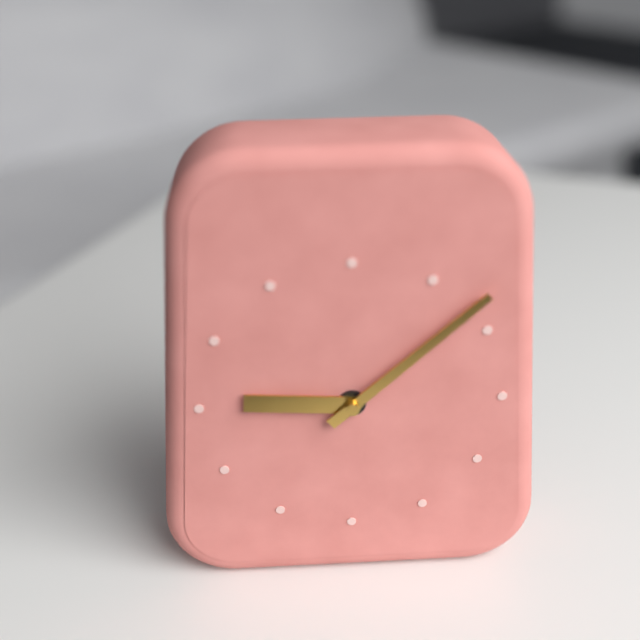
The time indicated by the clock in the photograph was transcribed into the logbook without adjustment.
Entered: 9:08
